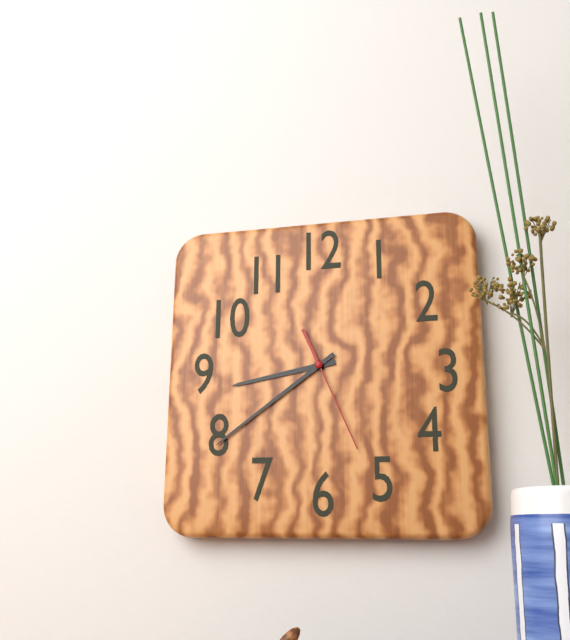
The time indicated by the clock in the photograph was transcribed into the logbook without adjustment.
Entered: 8:39:26
